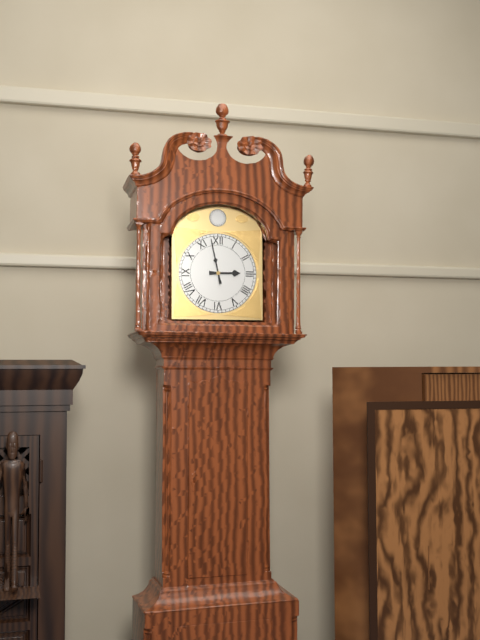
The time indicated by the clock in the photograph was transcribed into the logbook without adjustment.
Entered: 2:58
